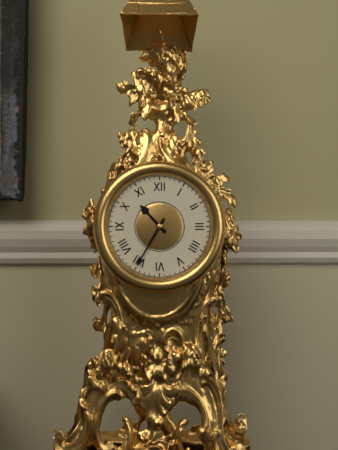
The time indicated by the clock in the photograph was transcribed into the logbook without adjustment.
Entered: 10:35
